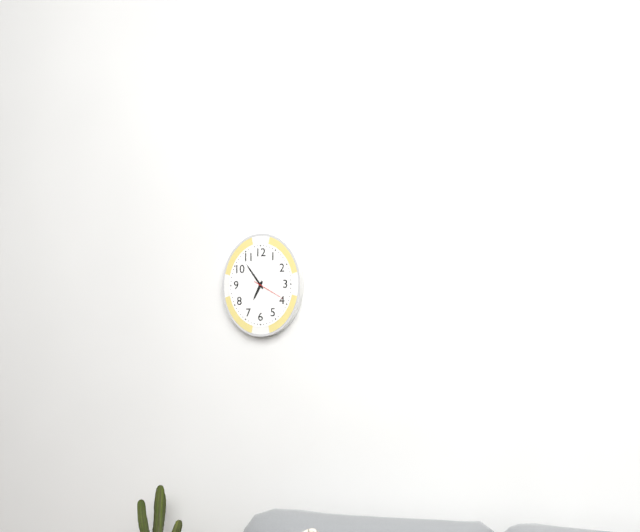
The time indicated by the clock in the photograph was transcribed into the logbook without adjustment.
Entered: 6:54
